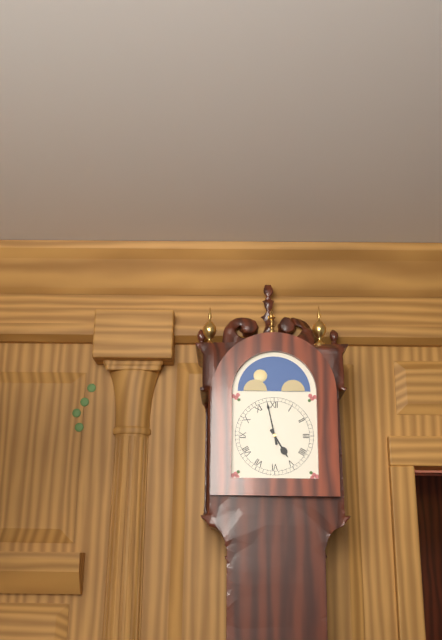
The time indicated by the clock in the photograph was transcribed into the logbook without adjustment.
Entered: 4:58
